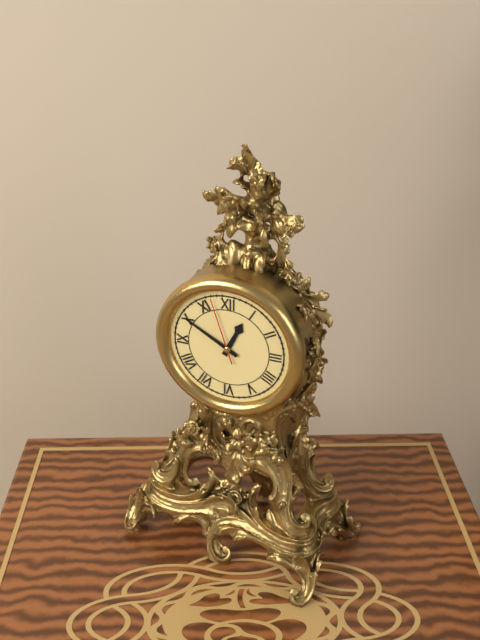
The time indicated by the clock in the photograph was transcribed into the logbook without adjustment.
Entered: 12:50:57
